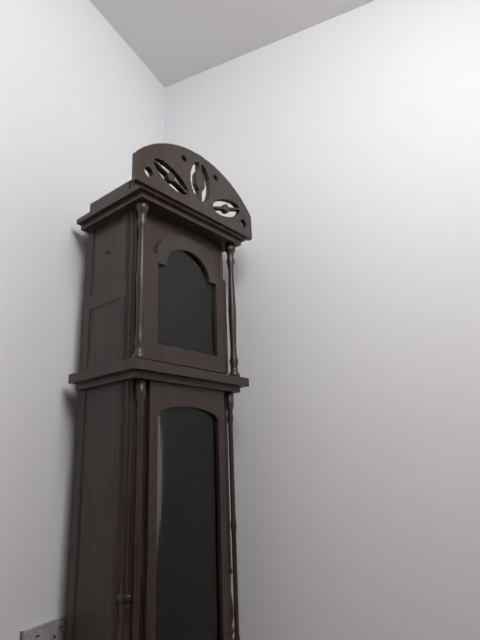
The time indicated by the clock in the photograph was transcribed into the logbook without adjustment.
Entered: 11:22
